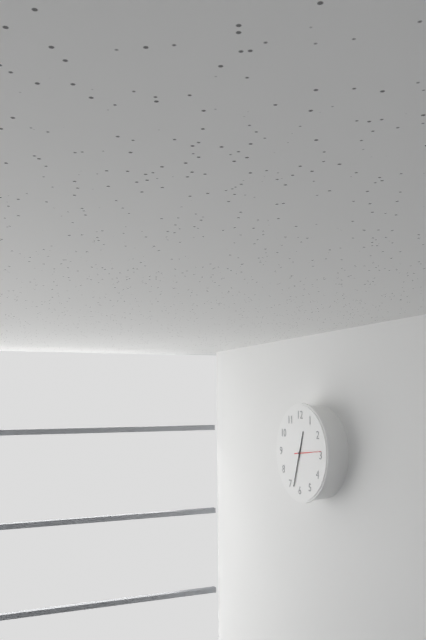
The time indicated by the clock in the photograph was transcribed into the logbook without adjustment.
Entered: 12:33
